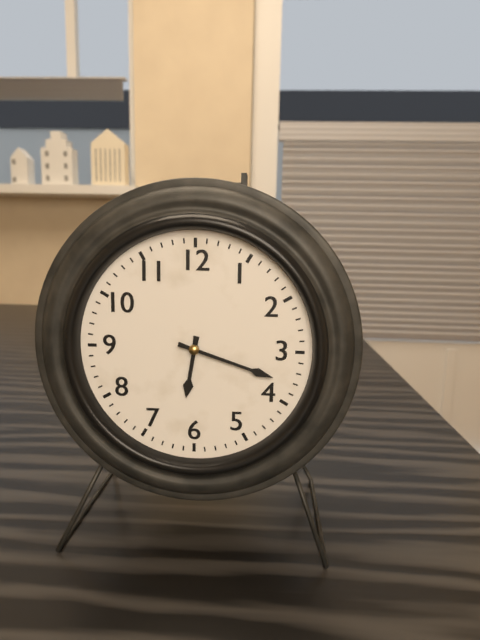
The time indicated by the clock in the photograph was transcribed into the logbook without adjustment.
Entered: 6:18
